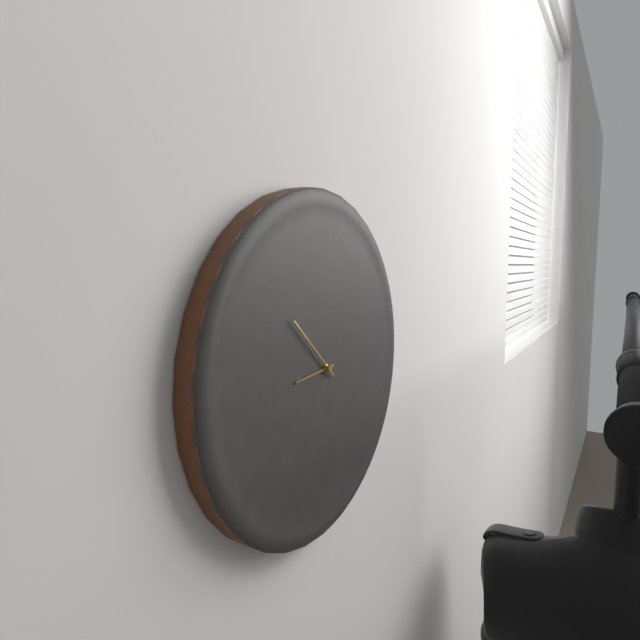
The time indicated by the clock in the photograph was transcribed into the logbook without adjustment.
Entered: 8:52
